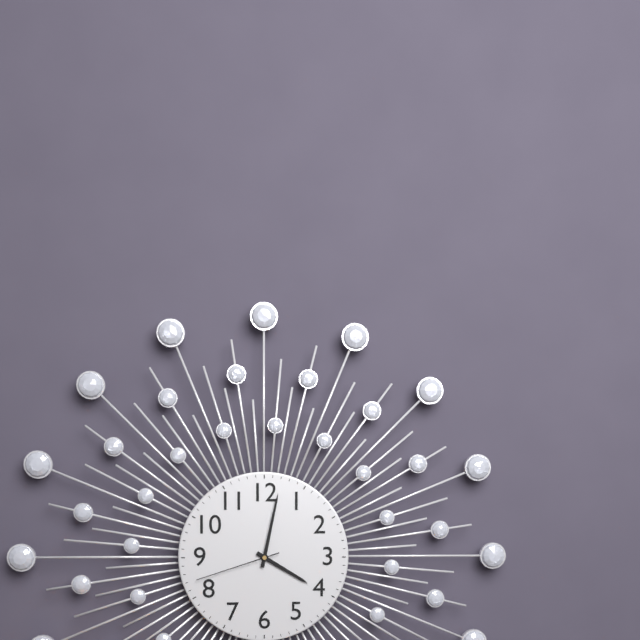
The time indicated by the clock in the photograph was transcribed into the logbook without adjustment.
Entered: 4:02:42
